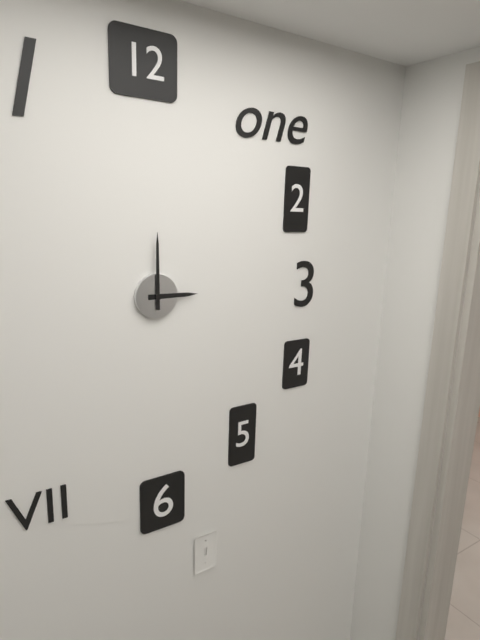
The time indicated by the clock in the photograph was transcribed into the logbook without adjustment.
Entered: 3:00
